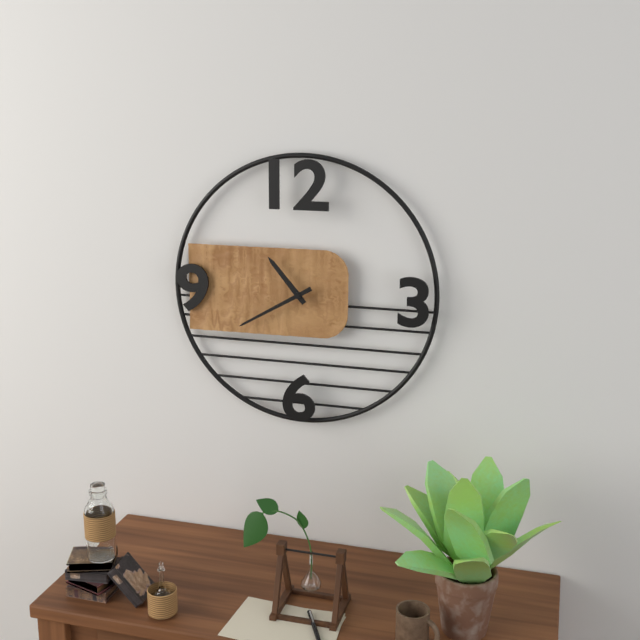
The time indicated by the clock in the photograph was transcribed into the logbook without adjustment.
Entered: 10:40
